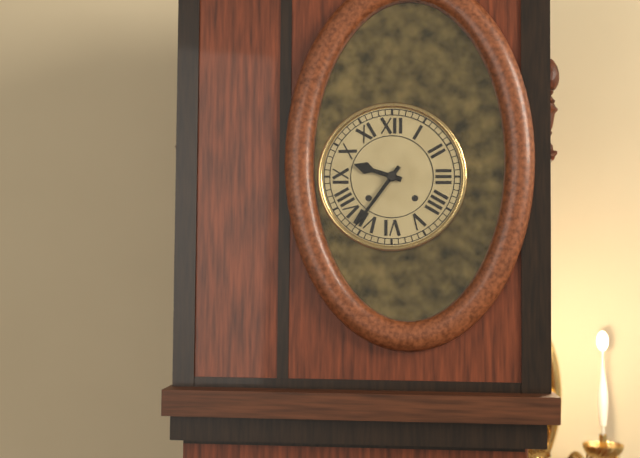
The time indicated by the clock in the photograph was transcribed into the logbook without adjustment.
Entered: 9:36
